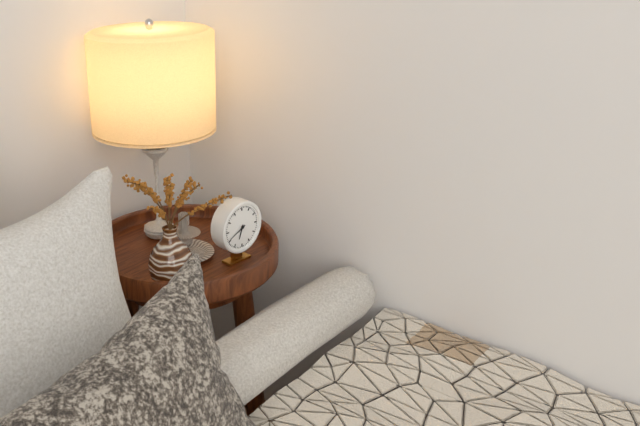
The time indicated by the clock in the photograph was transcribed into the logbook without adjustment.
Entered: 6:41
